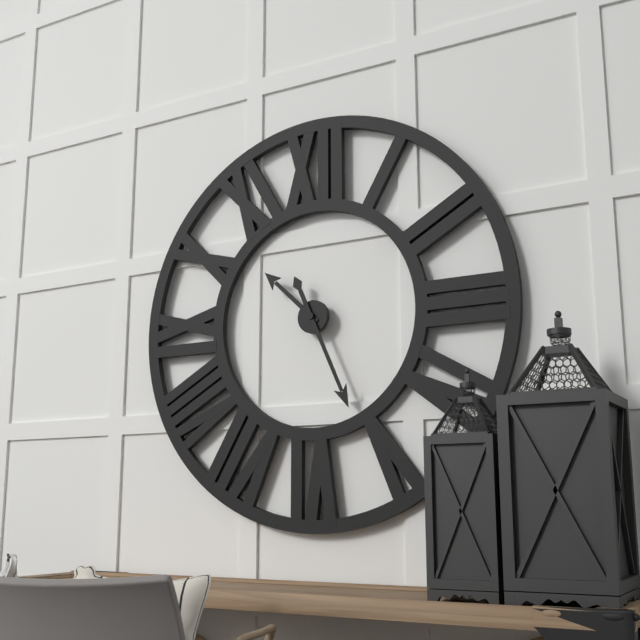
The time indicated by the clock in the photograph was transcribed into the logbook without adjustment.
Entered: 10:26
